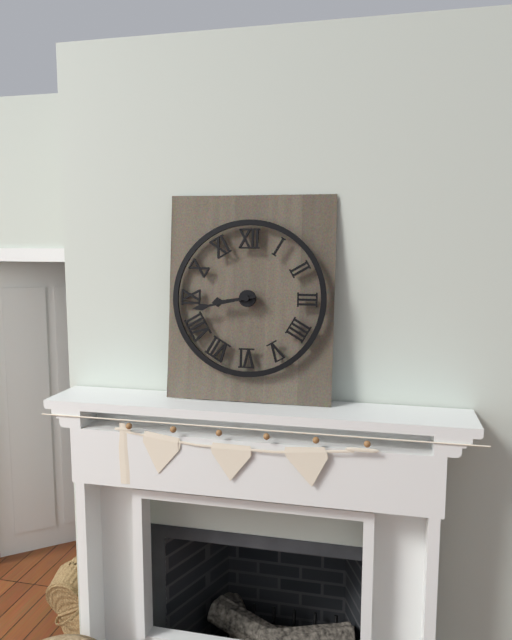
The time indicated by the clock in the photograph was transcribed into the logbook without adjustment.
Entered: 8:43
